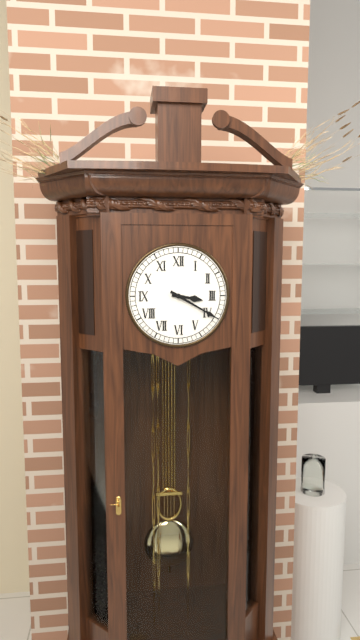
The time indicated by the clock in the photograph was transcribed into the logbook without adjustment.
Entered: 3:20
